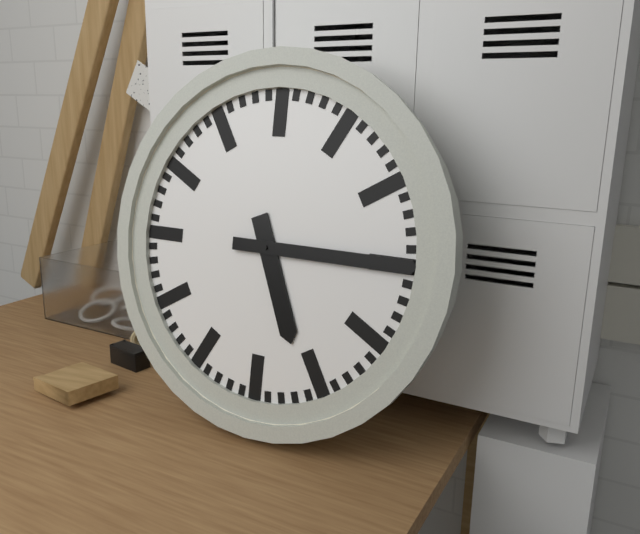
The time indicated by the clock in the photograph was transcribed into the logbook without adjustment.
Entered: 5:15
